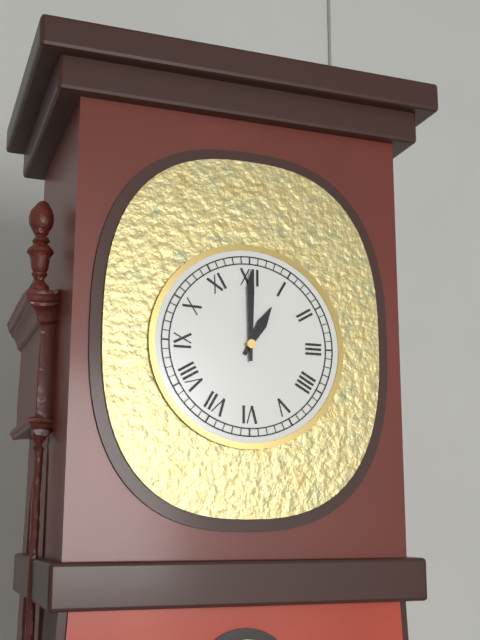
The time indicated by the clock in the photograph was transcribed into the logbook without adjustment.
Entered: 1:00
